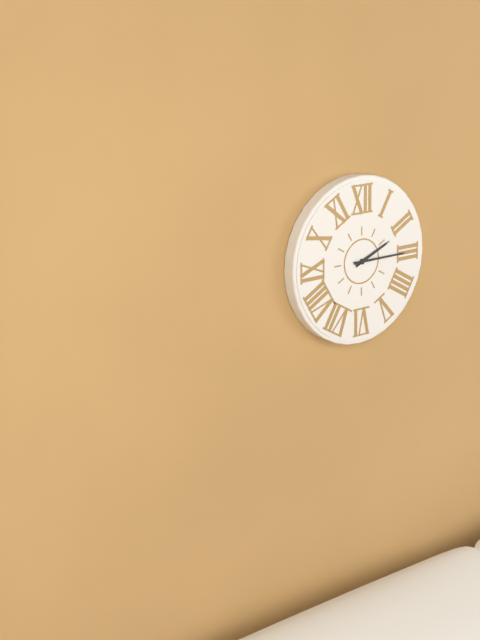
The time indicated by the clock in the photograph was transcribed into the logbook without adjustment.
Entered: 2:15
